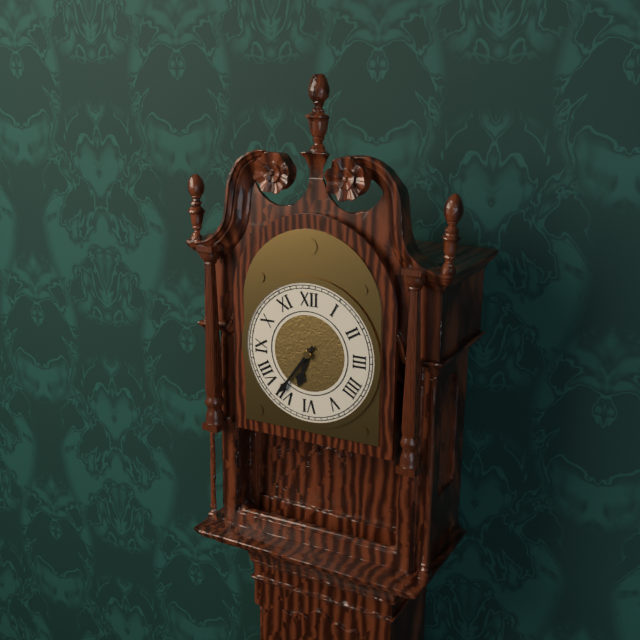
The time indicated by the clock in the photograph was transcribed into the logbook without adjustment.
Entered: 6:36
